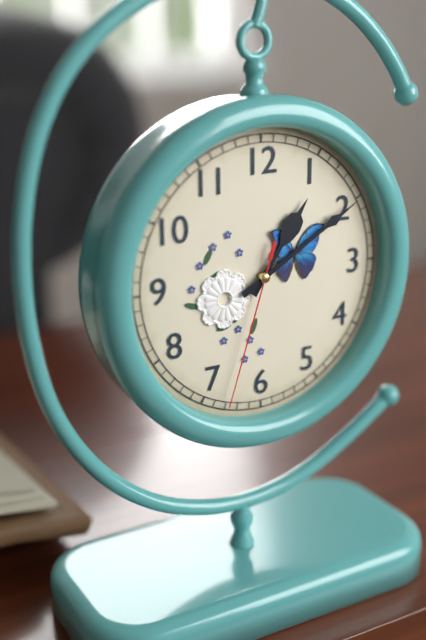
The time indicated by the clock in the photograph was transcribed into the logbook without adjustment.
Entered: 1:10:33
